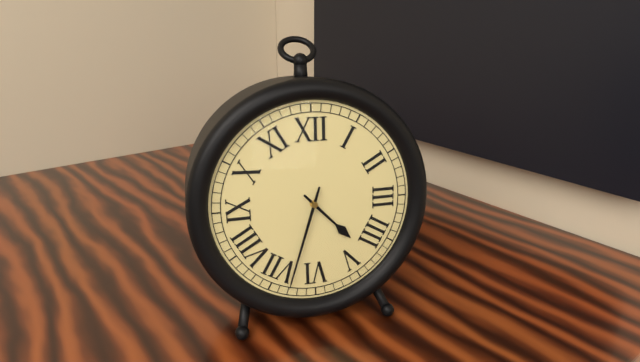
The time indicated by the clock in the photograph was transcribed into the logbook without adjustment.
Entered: 4:33
